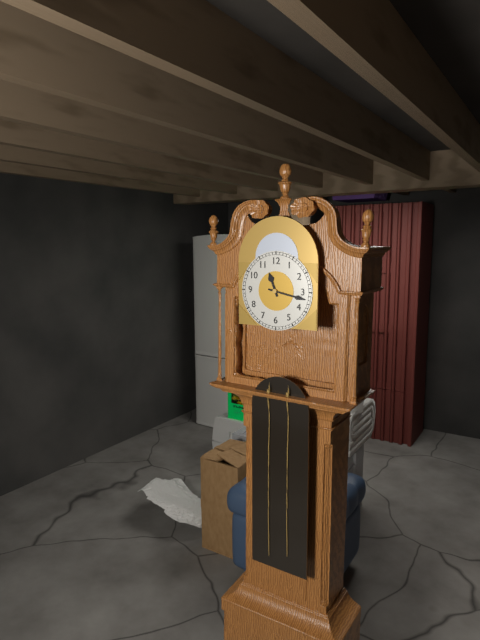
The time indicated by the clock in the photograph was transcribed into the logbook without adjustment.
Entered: 11:17
